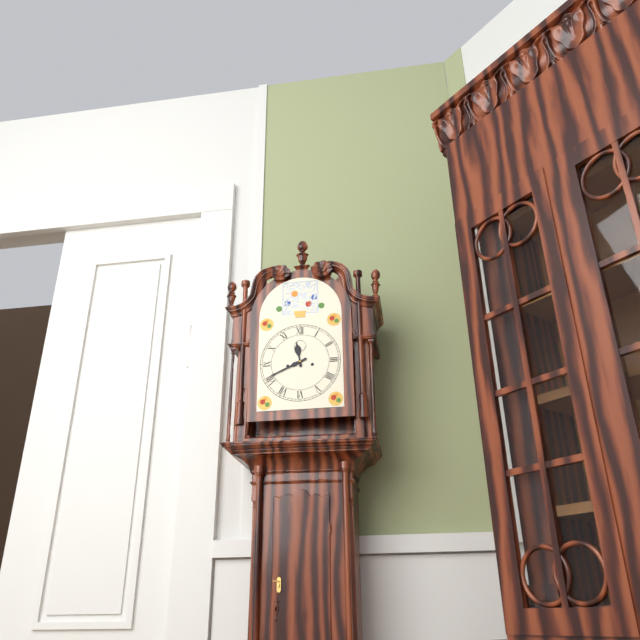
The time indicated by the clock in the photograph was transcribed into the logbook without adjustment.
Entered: 11:41
